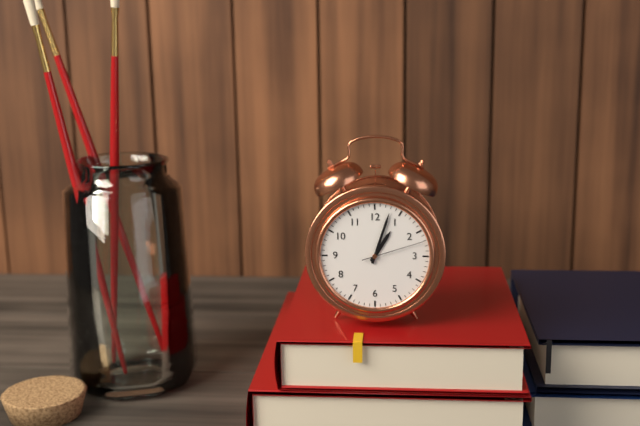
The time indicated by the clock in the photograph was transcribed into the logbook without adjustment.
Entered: 1:03:12
